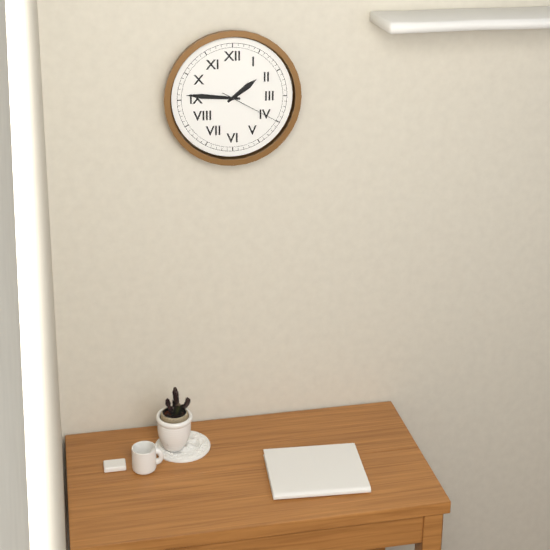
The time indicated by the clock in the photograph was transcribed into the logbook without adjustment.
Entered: 1:46:20
